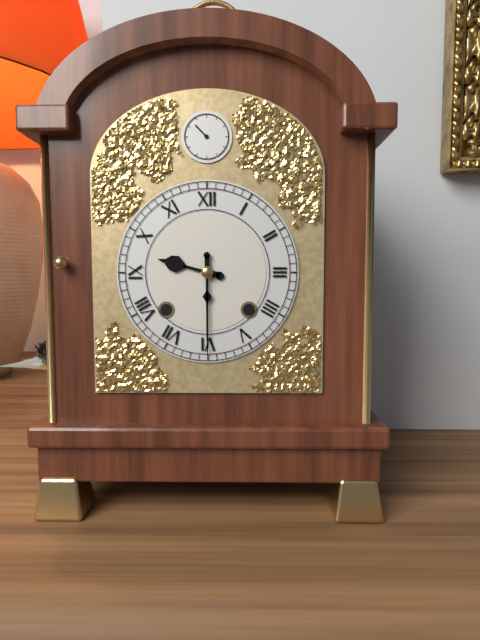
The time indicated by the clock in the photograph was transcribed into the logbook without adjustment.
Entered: 9:30
